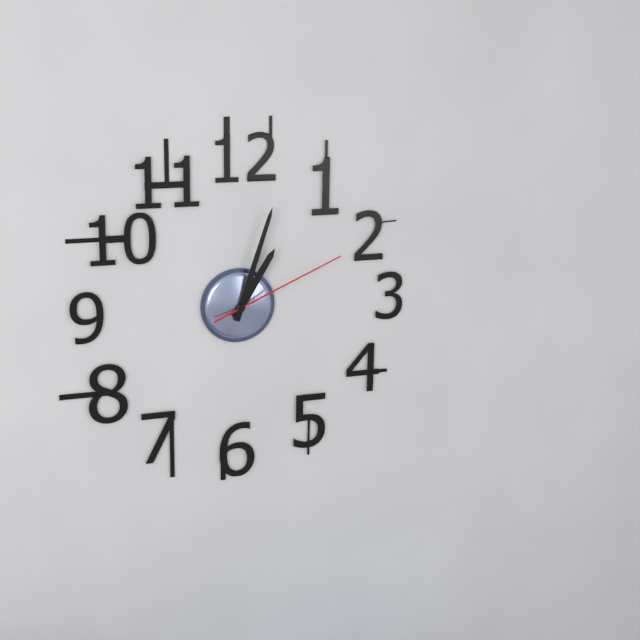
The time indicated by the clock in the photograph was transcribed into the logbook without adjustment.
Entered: 1:03:11
